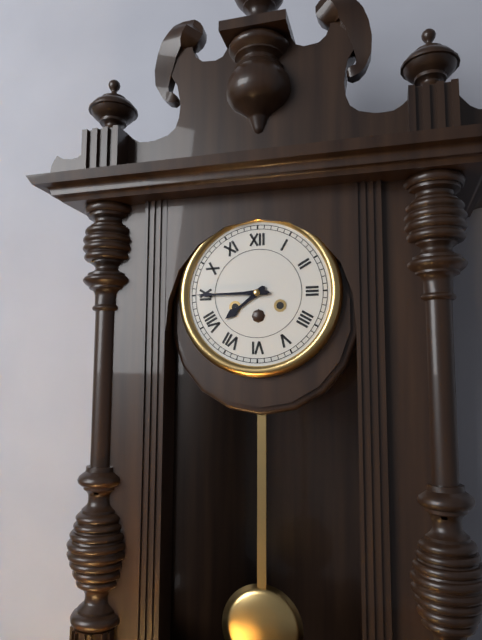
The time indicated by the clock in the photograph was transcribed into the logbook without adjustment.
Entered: 7:45
